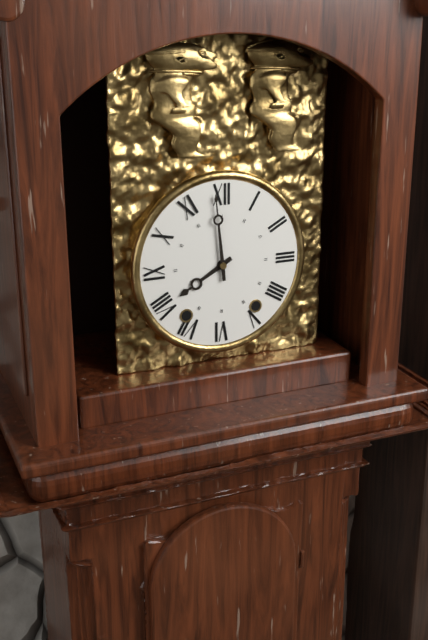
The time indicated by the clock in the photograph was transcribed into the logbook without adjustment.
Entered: 7:59
